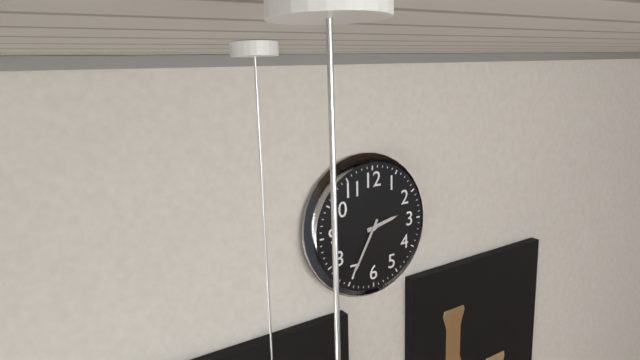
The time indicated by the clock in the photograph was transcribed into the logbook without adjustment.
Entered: 2:35
